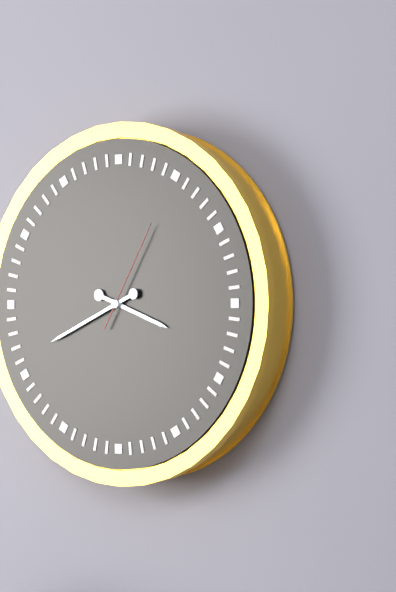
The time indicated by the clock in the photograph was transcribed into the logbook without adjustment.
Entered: 3:41:05
